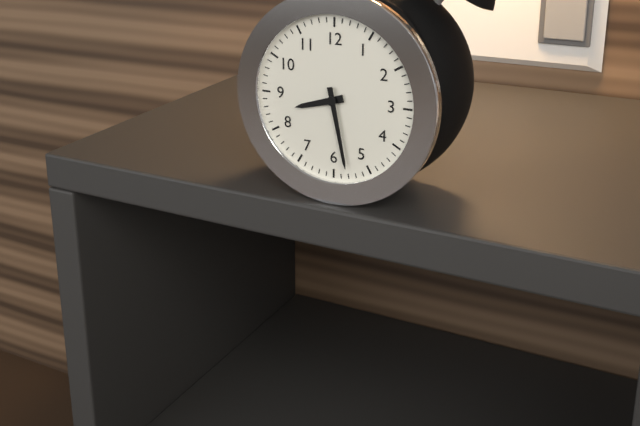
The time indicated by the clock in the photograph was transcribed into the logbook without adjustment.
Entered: 8:28
